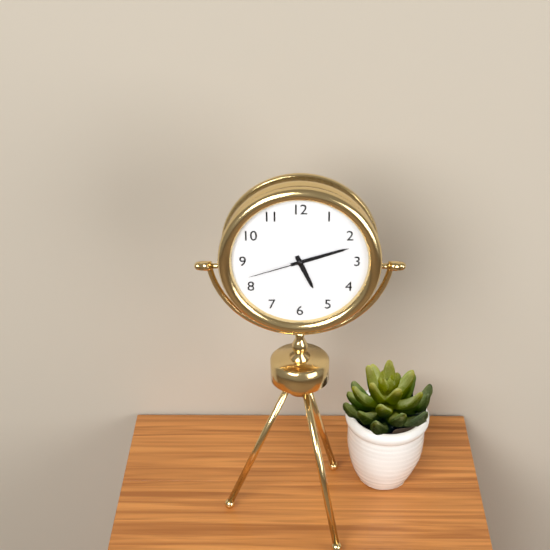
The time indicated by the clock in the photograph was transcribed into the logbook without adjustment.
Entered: 5:12:42
